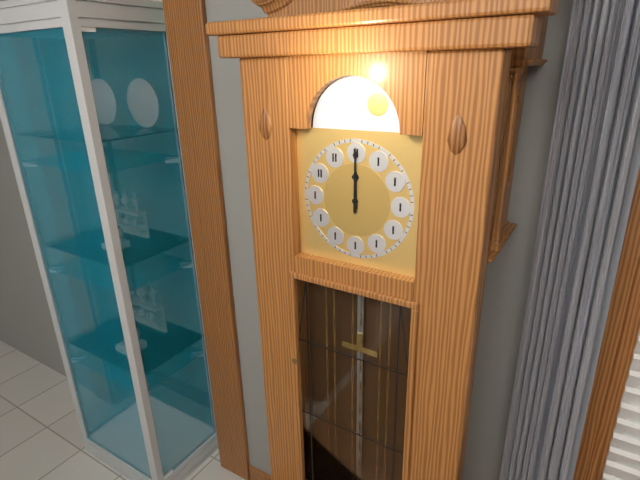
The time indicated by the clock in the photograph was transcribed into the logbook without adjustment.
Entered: 12:00
